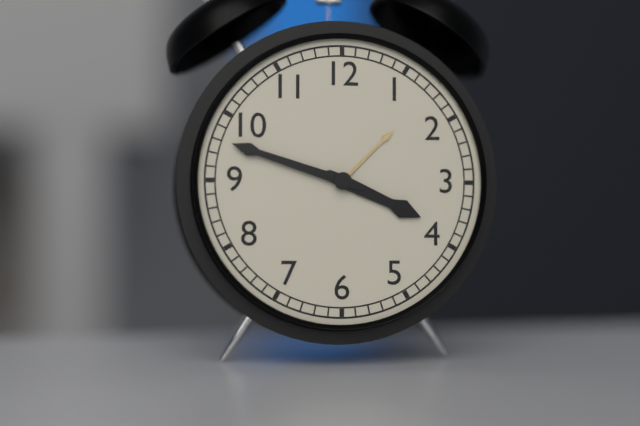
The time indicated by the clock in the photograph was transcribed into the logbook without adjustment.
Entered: 3:48
